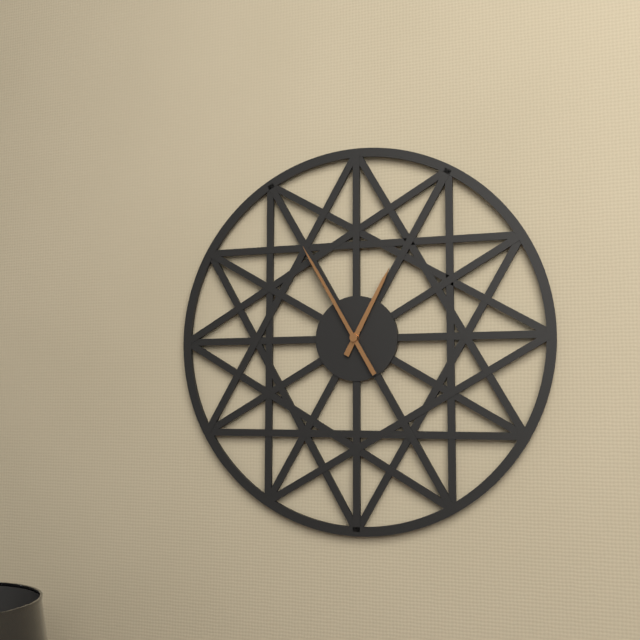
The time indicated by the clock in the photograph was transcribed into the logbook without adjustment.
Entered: 12:55
